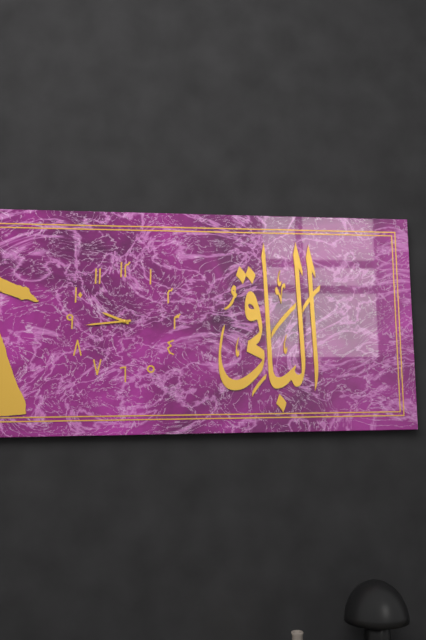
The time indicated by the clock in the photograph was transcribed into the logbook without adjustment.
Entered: 9:44
